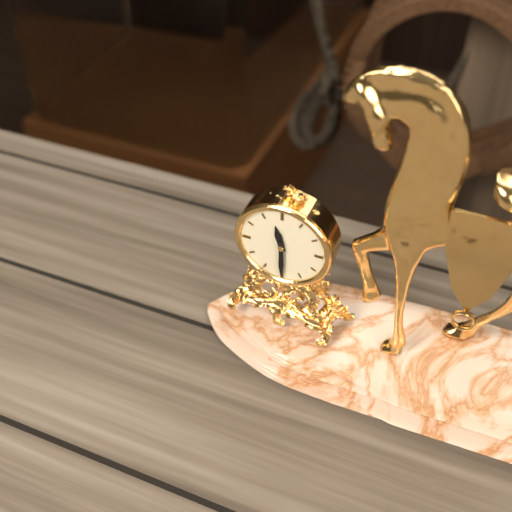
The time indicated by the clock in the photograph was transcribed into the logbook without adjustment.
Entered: 11:30
